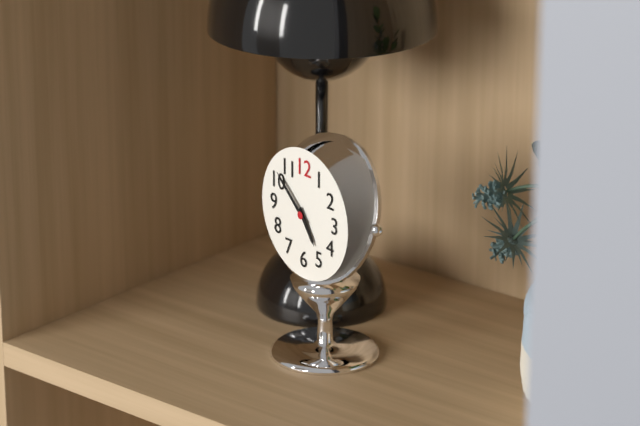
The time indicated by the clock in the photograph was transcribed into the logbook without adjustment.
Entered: 4:52
